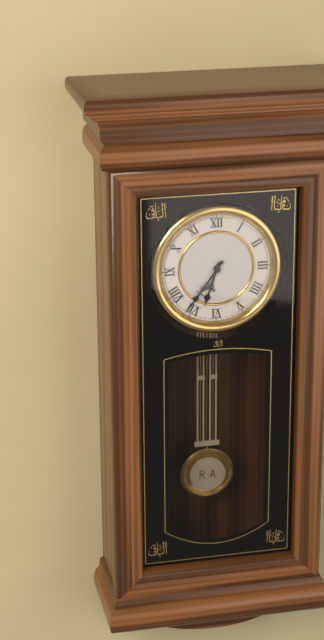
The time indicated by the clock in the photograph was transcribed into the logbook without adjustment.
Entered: 6:36
